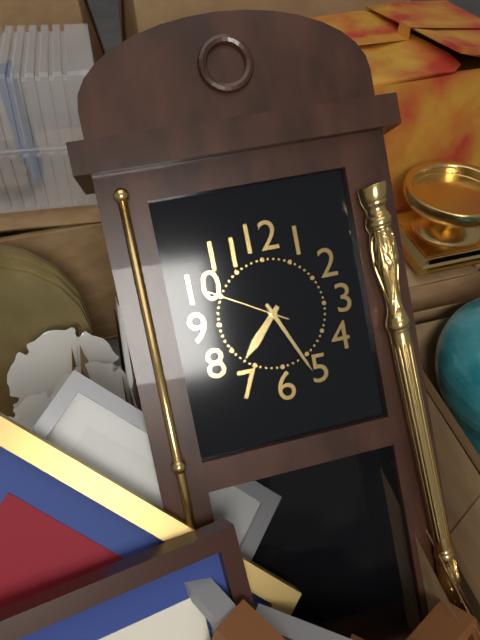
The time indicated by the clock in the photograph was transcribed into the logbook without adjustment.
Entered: 7:26:50
